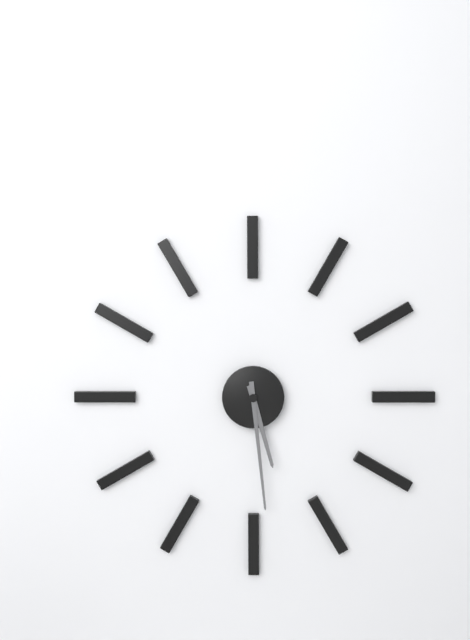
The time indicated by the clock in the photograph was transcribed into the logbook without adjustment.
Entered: 5:29
